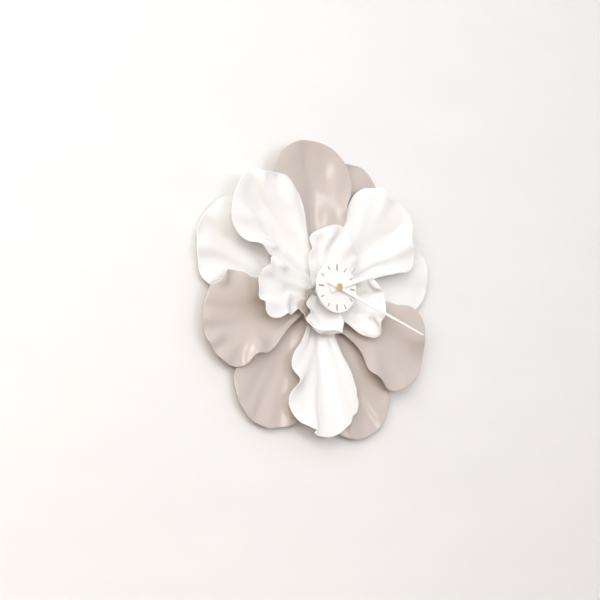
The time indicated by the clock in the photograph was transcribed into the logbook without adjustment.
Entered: 2:18
